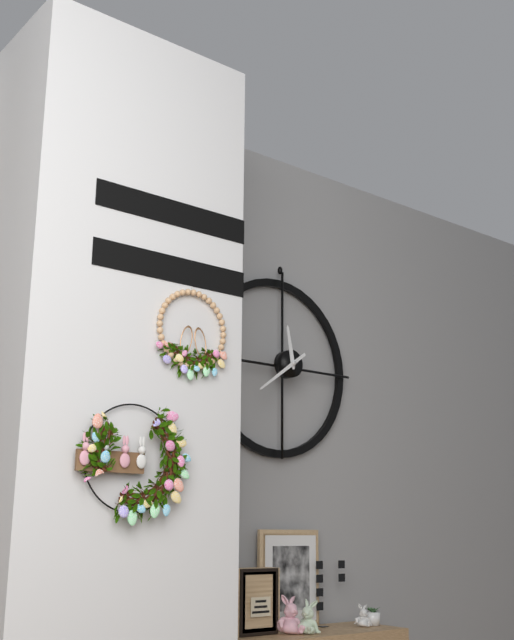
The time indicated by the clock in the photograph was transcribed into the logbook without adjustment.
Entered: 11:39
